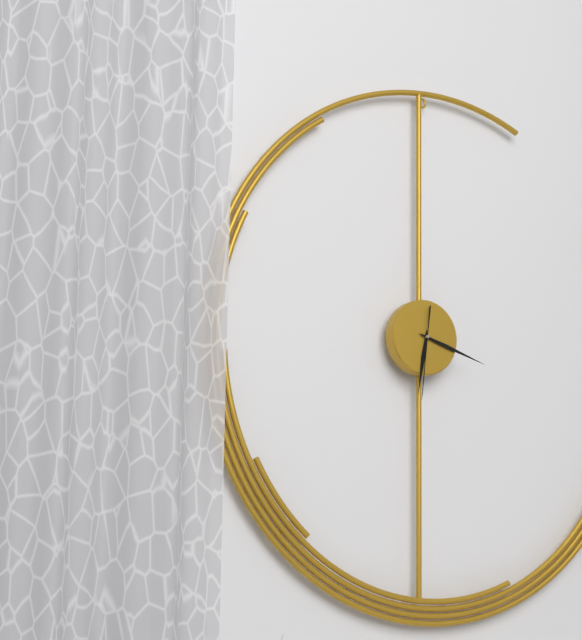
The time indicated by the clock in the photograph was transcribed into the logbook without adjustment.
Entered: 6:18:31
